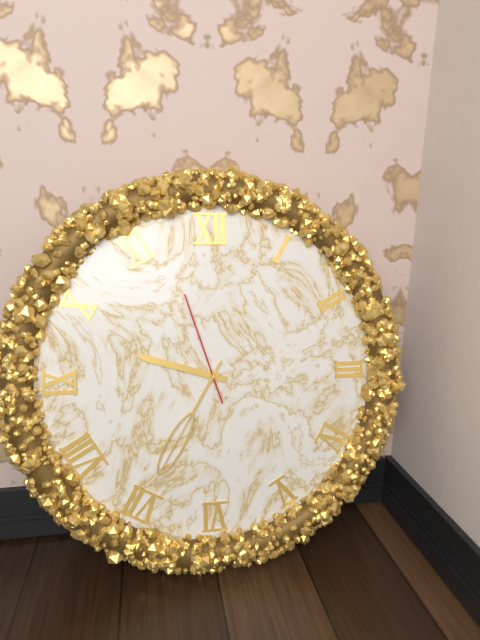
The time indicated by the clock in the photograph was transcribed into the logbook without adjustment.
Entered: 9:35:57
